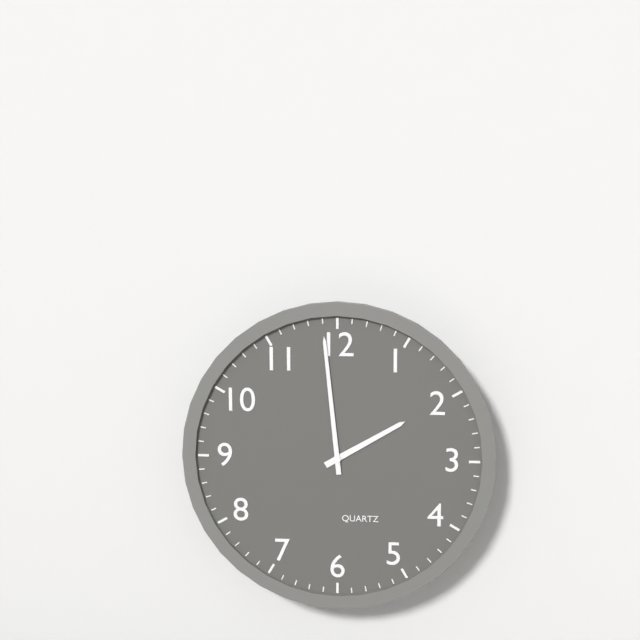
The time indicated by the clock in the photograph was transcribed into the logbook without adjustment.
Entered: 1:59
